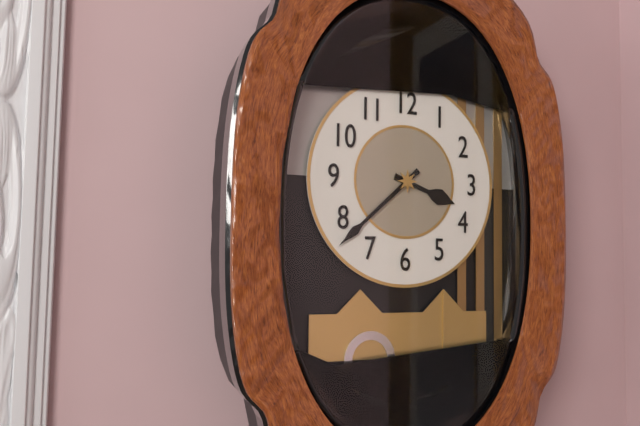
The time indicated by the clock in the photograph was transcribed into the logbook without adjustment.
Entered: 3:38
